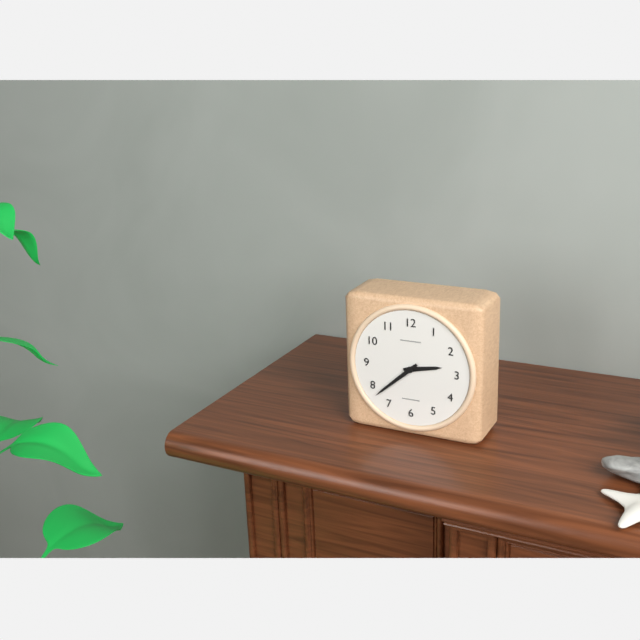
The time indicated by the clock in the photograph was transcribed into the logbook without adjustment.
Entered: 2:38
